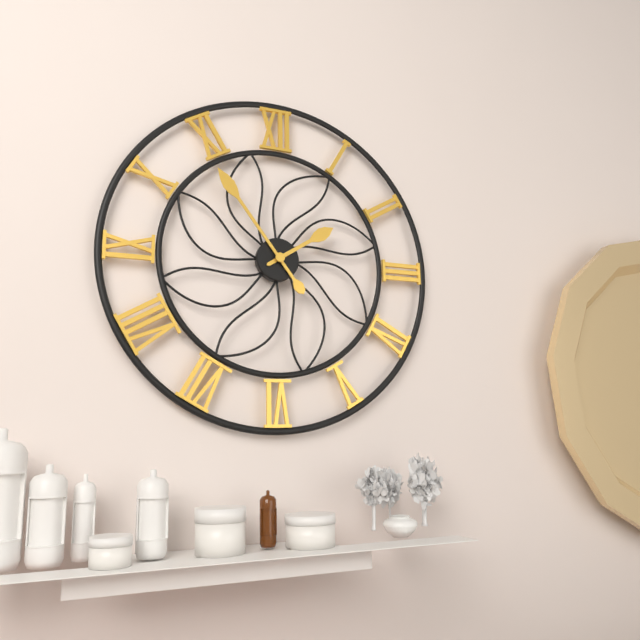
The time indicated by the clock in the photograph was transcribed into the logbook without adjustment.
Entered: 1:54
